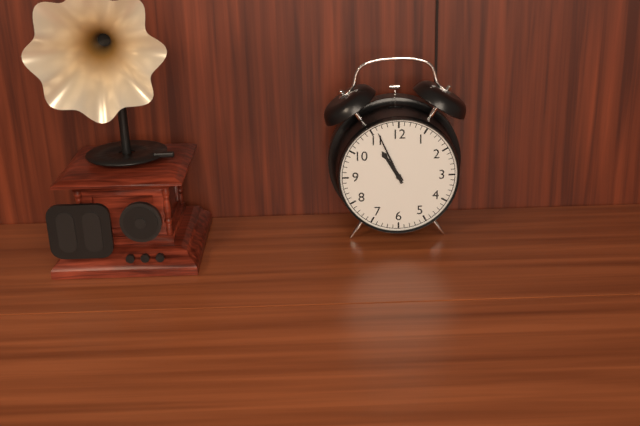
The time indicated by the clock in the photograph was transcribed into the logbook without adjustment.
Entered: 10:56
